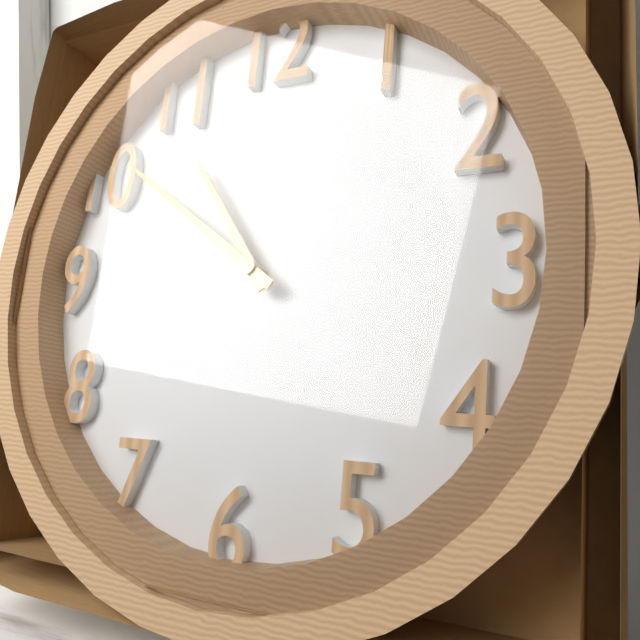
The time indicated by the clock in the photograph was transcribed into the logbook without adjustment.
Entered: 10:51
